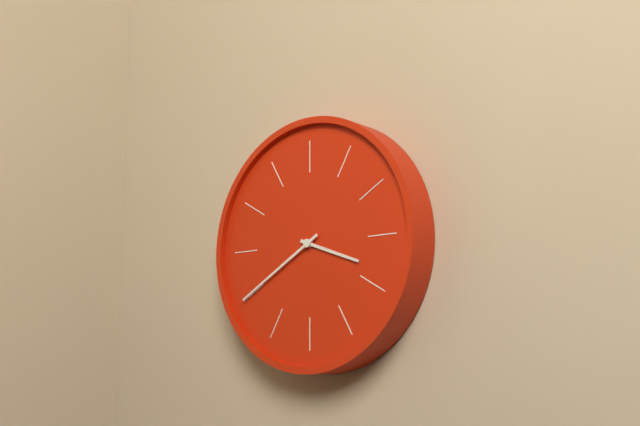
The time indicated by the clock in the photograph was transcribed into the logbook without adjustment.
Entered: 3:40
